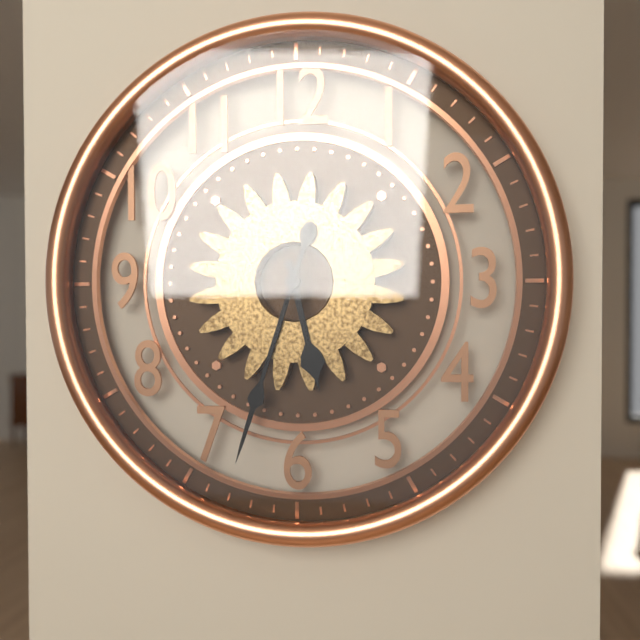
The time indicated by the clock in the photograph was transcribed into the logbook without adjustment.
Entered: 5:33
